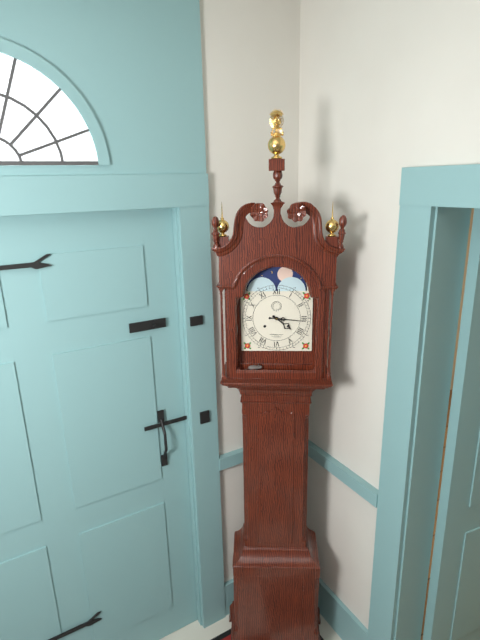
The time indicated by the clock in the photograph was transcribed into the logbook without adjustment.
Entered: 4:16
